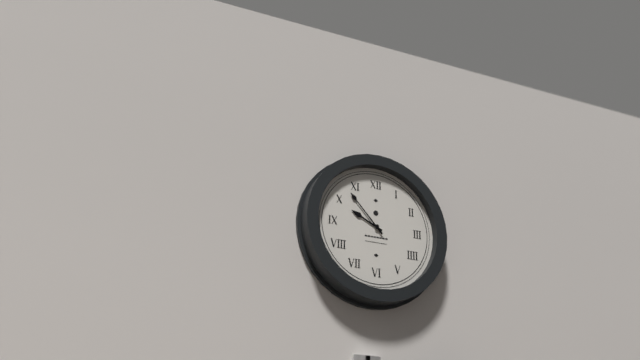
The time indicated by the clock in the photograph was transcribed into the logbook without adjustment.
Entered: 9:53
